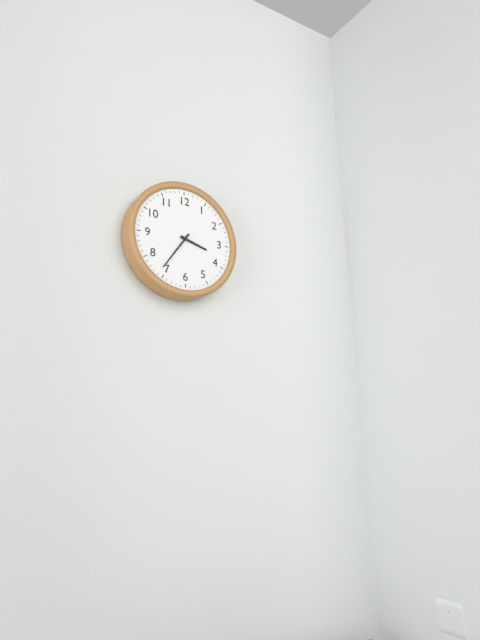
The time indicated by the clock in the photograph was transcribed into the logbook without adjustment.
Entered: 3:36
